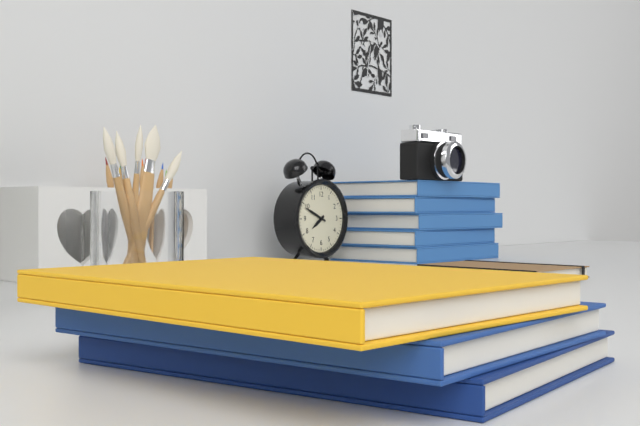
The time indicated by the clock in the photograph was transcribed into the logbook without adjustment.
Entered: 7:49
